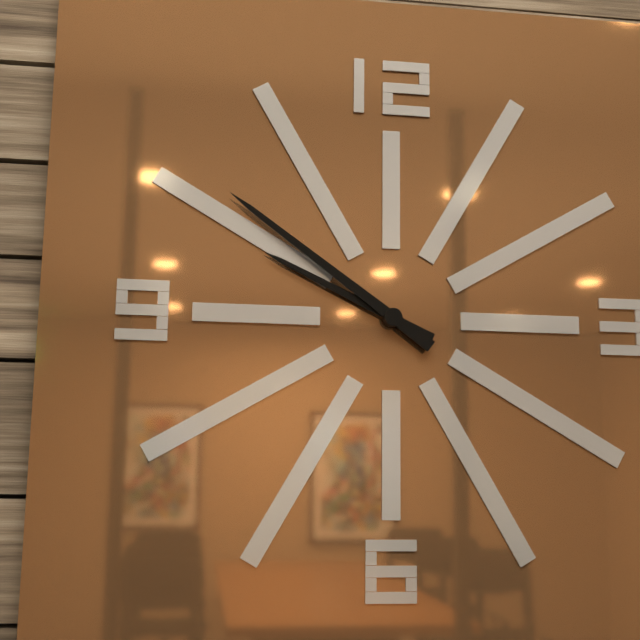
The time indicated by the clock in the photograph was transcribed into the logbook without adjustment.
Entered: 9:51
